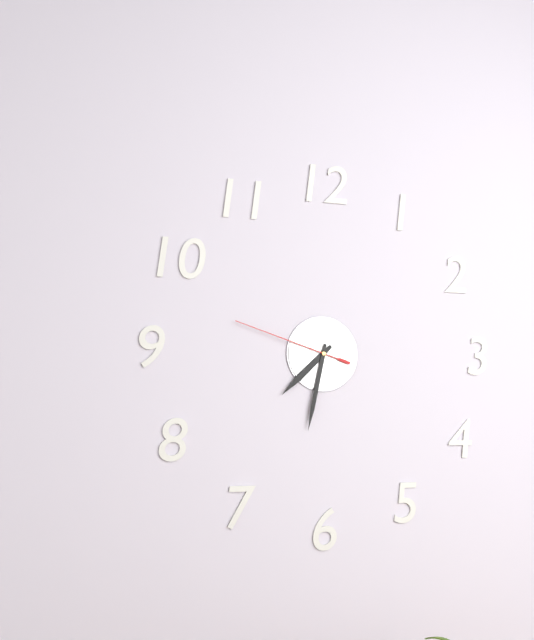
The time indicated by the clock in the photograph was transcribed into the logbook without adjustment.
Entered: 7:32:48
